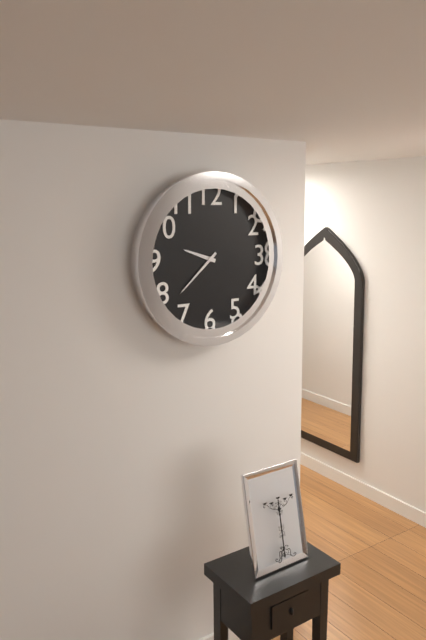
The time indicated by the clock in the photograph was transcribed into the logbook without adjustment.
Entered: 9:38
